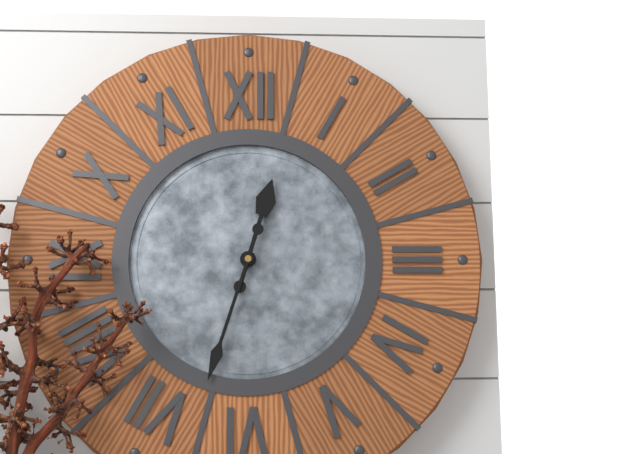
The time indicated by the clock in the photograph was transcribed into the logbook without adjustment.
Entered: 12:33
